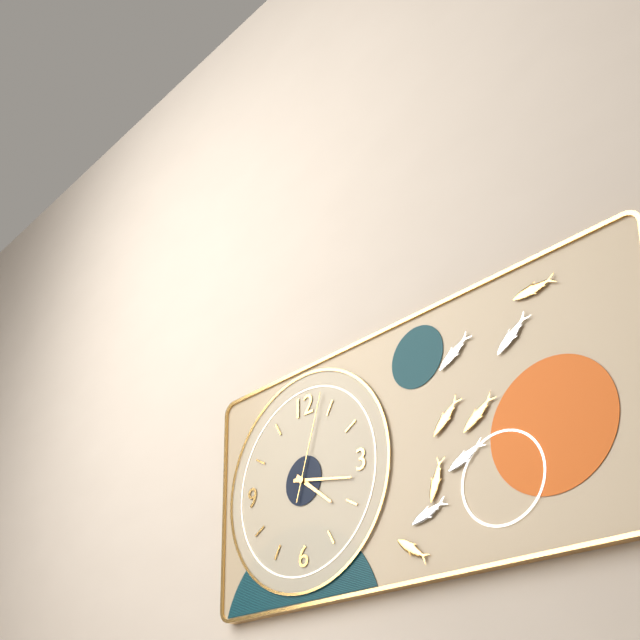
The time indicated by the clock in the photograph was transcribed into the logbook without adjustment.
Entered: 4:17:03
